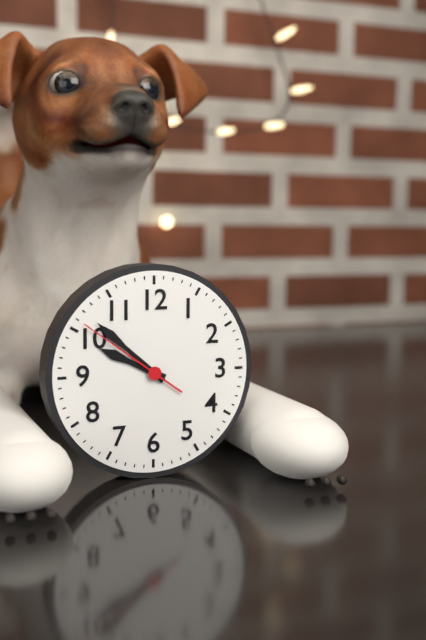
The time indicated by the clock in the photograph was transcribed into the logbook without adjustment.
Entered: 9:52:51
